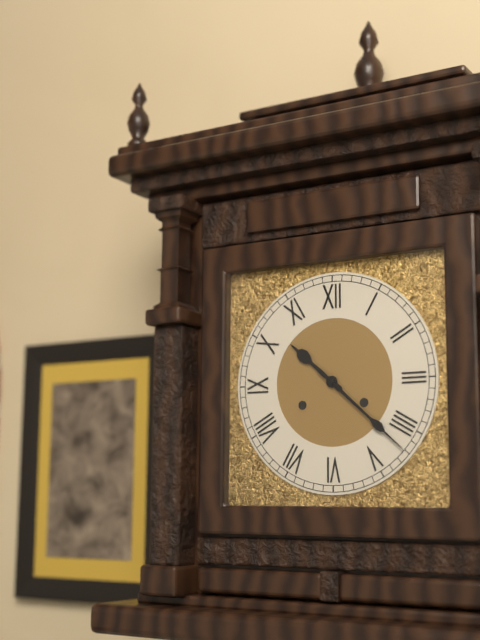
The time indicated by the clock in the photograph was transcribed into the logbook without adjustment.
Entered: 10:22
